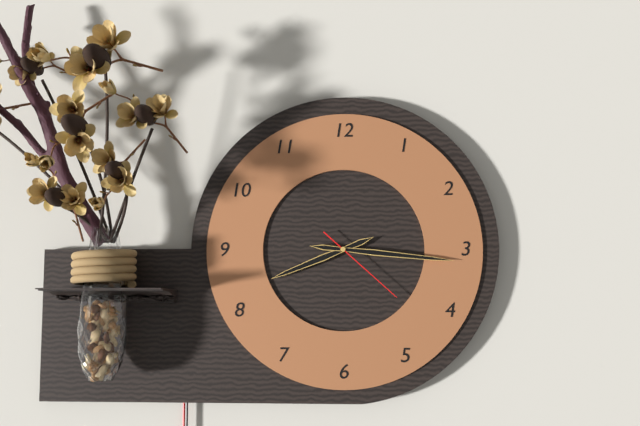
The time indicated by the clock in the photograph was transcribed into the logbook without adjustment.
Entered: 8:16:22
